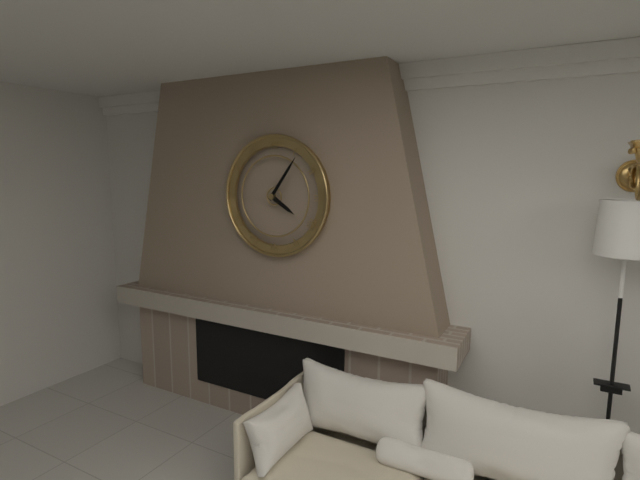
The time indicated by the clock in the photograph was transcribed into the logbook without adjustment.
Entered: 4:06
